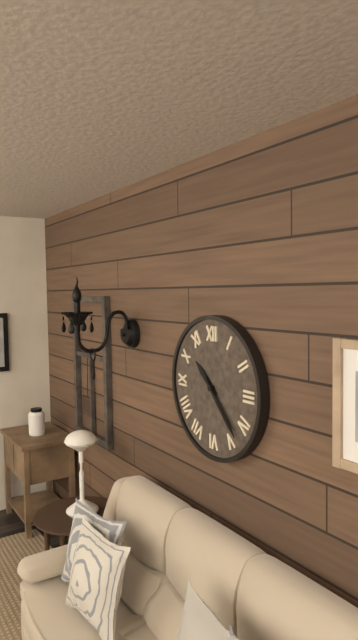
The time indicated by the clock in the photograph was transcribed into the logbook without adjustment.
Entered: 10:23
